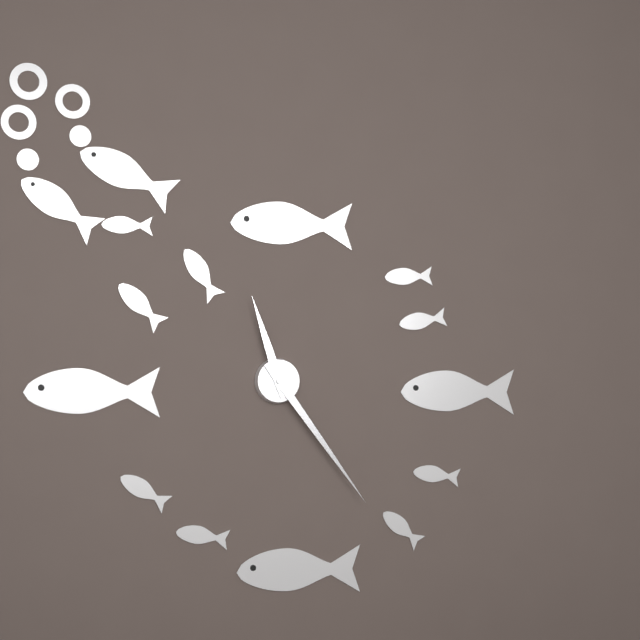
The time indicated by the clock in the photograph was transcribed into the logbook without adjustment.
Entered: 11:24
